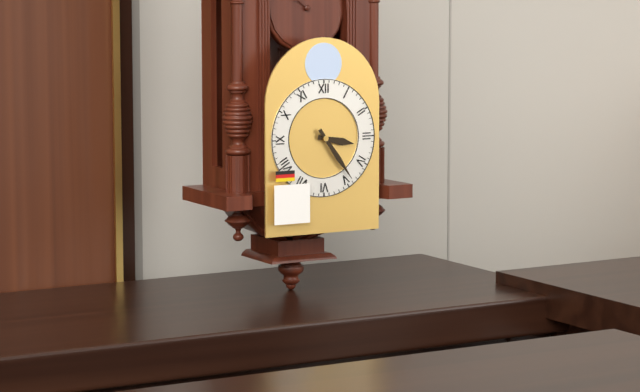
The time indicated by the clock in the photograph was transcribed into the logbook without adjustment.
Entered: 3:24
